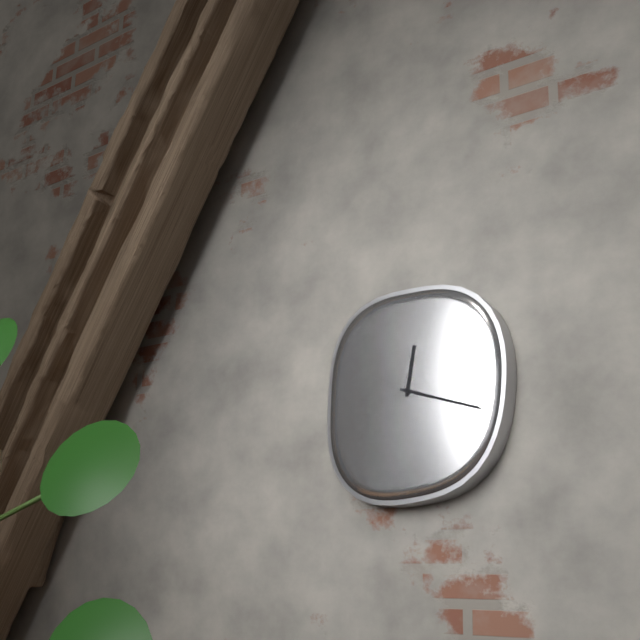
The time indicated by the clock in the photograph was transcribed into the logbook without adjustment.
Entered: 12:18
